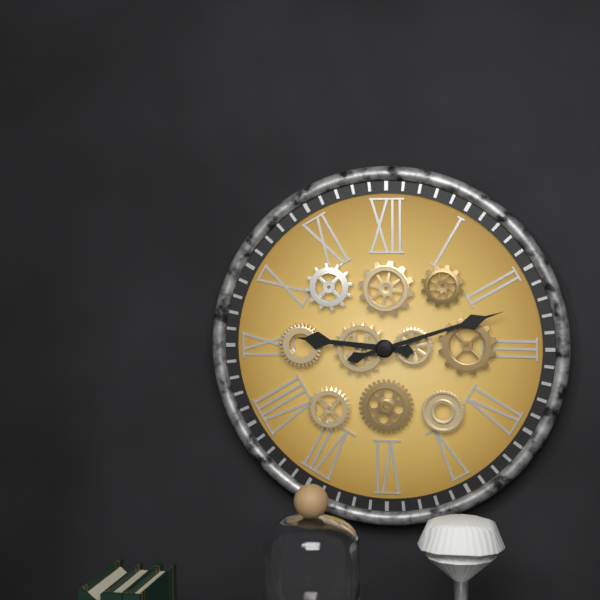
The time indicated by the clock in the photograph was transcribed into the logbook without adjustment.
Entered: 9:12
